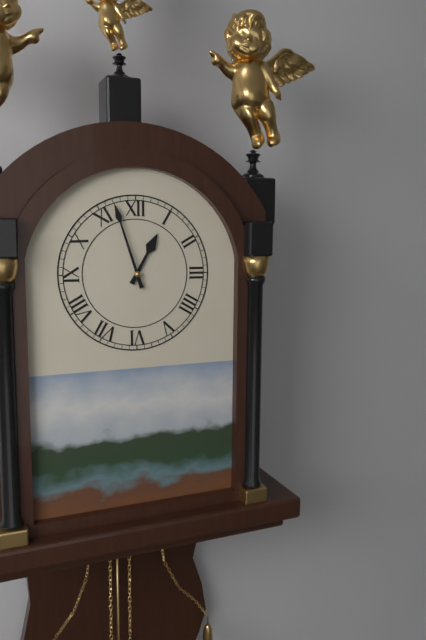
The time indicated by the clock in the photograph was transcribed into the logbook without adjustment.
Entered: 12:57
